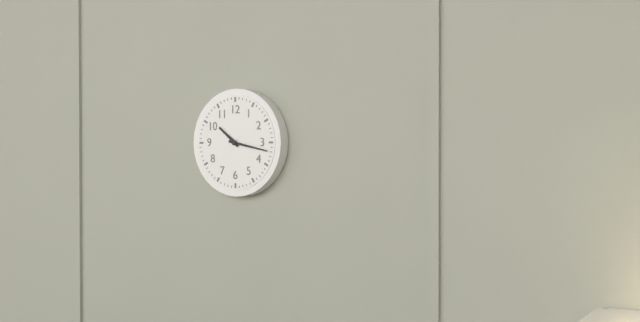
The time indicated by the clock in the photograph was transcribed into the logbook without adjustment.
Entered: 10:17
